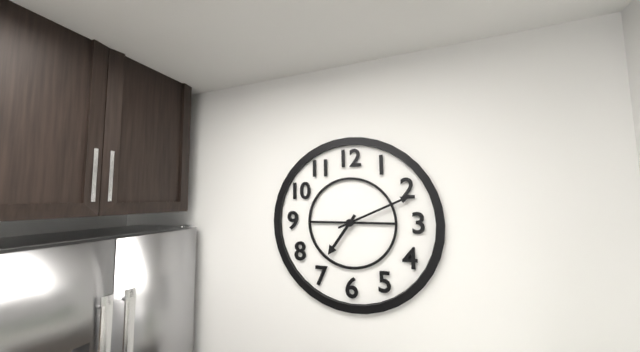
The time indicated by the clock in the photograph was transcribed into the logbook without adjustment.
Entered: 7:11
